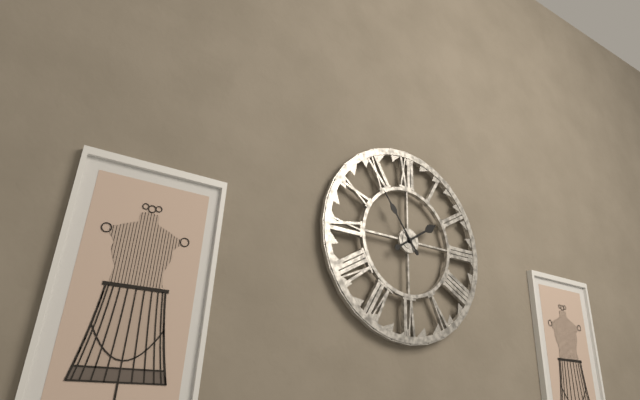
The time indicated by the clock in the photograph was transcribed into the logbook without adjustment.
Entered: 1:54
